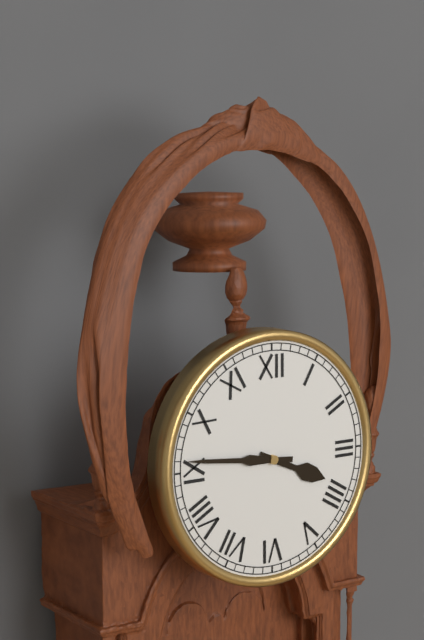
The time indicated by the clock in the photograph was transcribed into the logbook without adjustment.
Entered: 3:46
